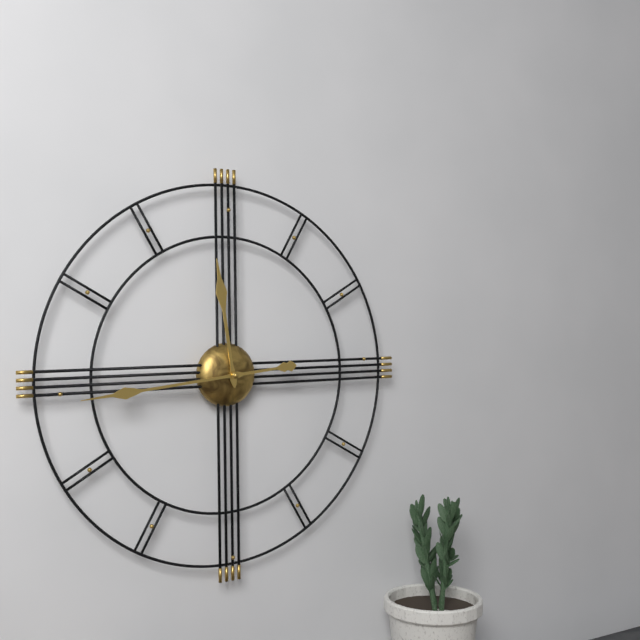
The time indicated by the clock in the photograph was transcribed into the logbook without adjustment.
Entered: 11:44
